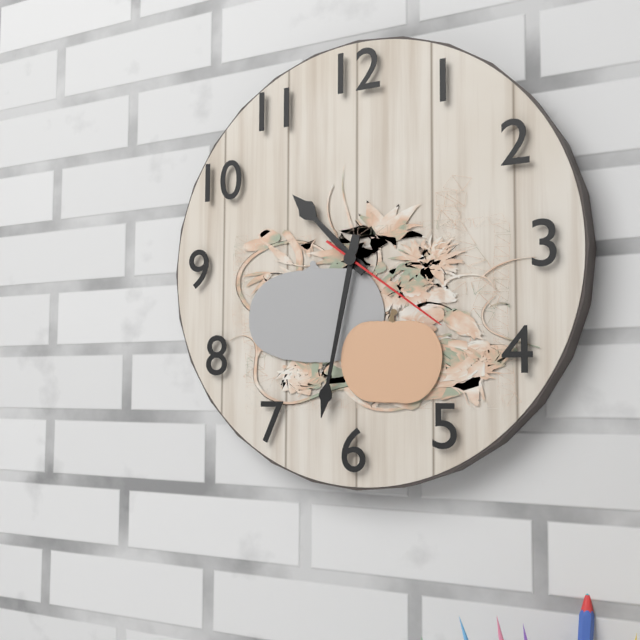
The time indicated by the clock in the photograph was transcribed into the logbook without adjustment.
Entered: 10:32:21
